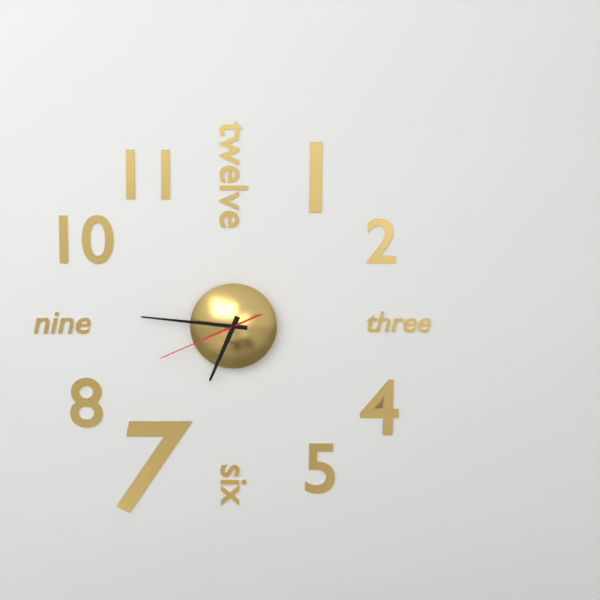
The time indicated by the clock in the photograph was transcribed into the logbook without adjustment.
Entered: 6:46:41
